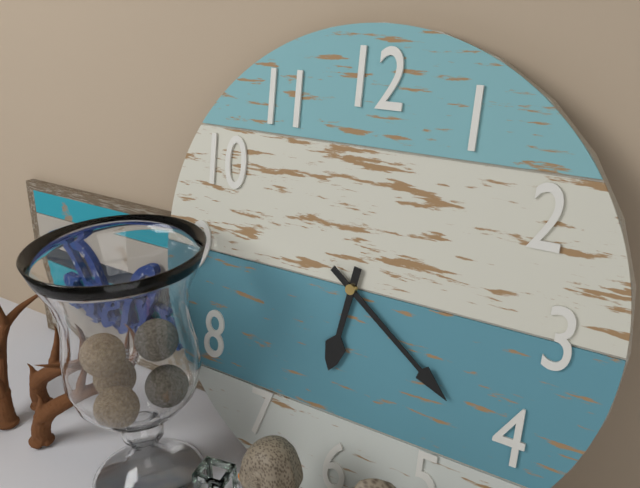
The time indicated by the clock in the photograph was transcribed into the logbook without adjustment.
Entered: 6:21
